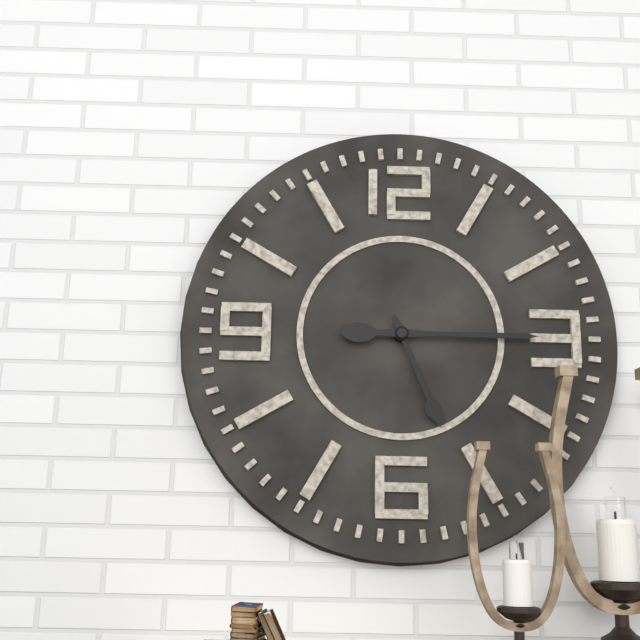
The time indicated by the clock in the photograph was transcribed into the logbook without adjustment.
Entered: 5:15
